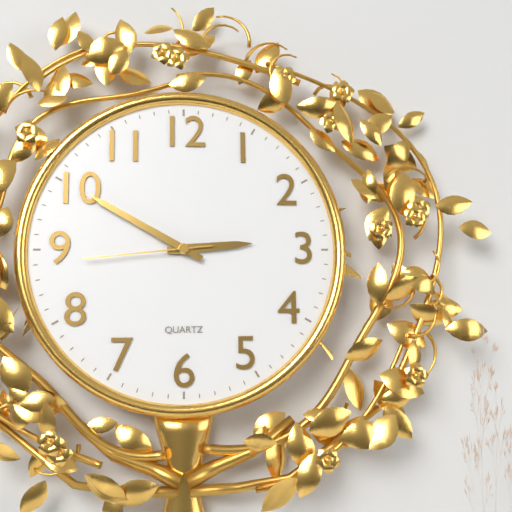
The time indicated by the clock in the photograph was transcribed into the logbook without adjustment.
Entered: 2:50:44
